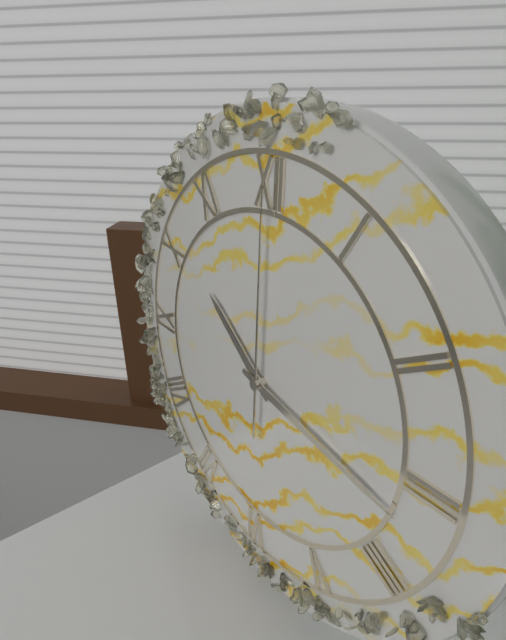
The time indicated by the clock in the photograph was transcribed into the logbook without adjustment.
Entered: 10:17:00
